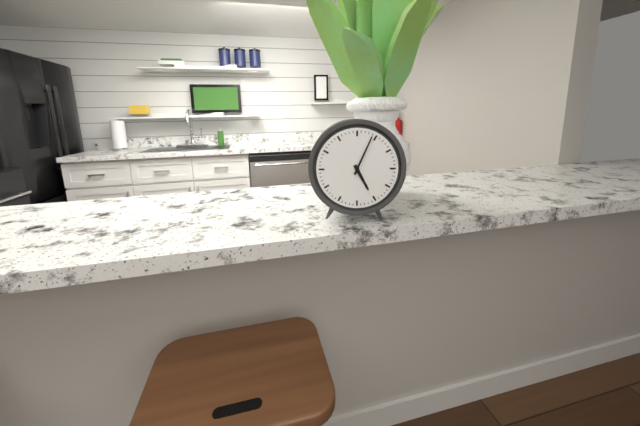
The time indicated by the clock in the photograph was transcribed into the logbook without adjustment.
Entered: 5:04
